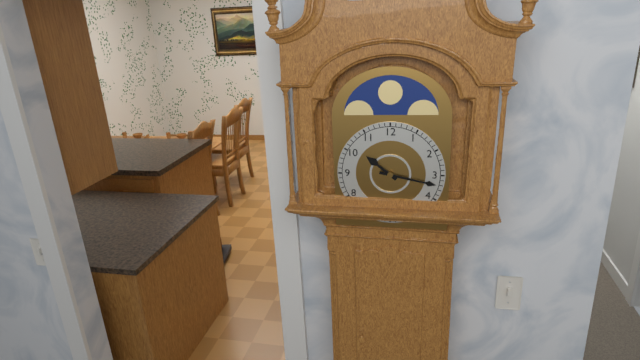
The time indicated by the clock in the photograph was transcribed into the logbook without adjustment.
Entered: 10:17
